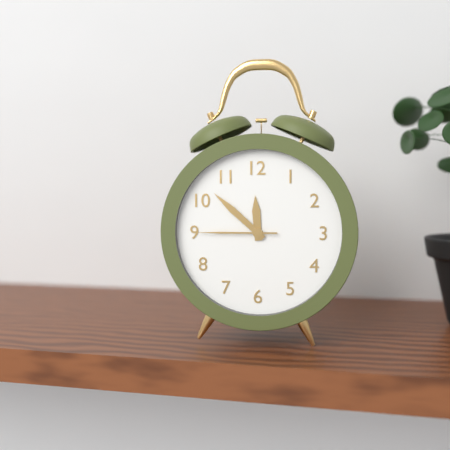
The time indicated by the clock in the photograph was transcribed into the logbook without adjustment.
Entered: 11:52:45
